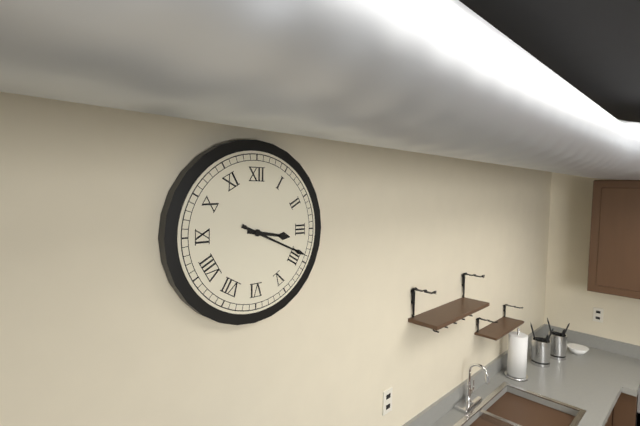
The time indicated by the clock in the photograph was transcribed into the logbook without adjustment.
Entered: 3:19
